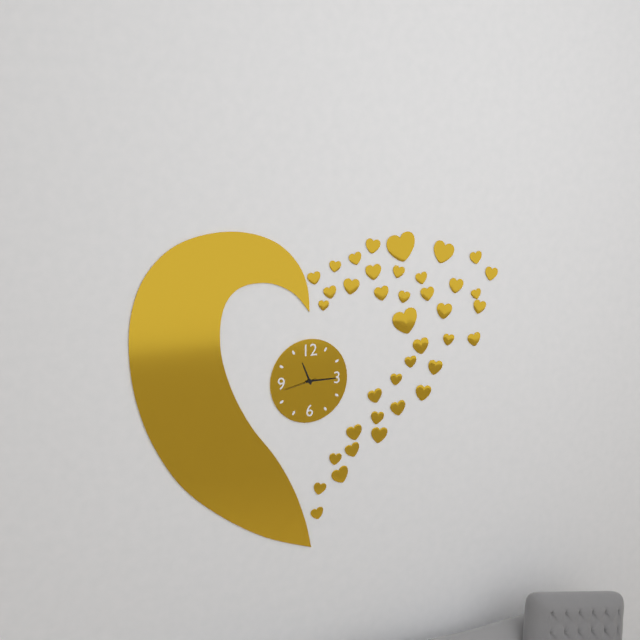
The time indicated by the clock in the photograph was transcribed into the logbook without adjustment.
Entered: 11:15
